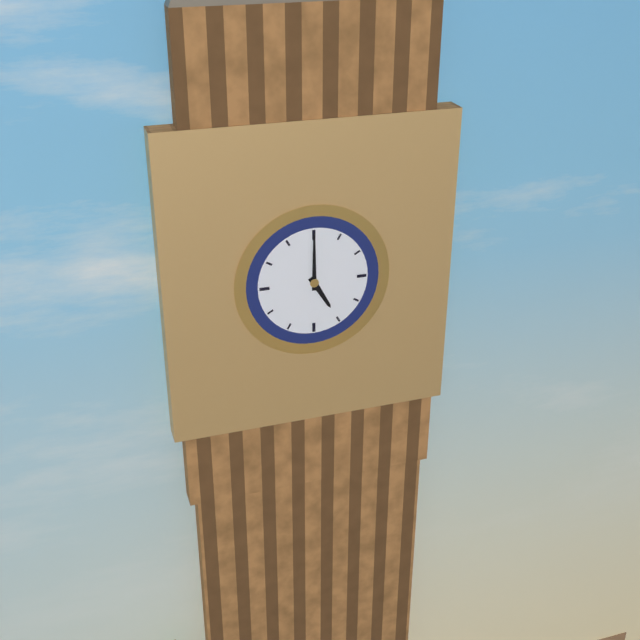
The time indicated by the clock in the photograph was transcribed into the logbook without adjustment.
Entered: 5:00
